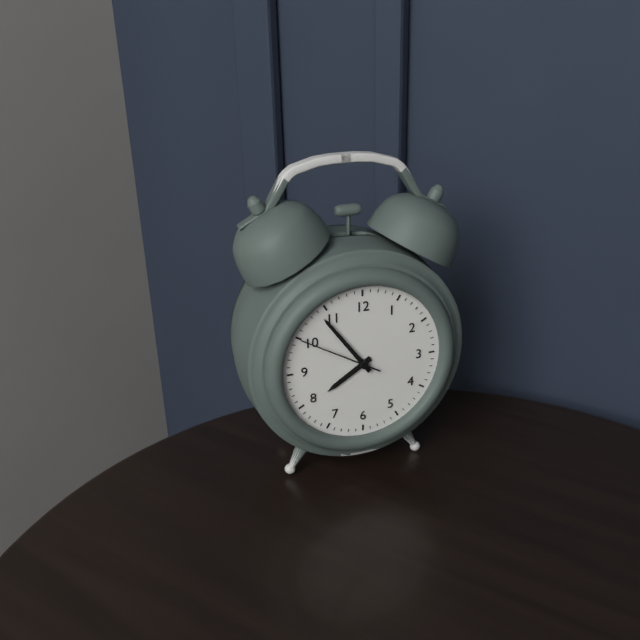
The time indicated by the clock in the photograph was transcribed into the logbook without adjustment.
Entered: 7:54:50
